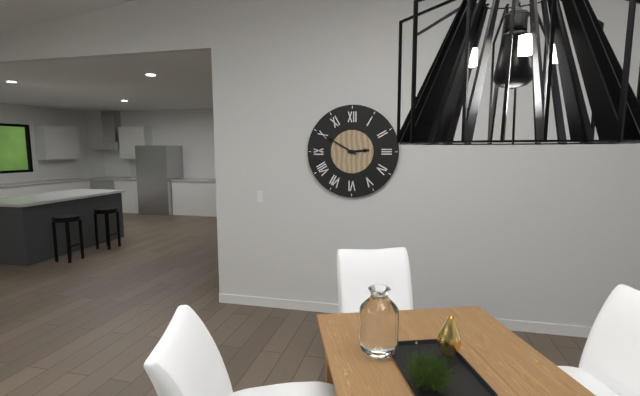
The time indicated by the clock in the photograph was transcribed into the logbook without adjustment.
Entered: 2:50
